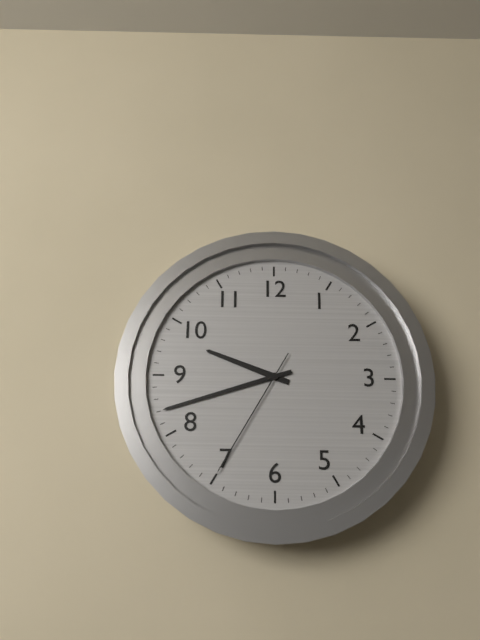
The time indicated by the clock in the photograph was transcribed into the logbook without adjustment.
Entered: 9:42:35
